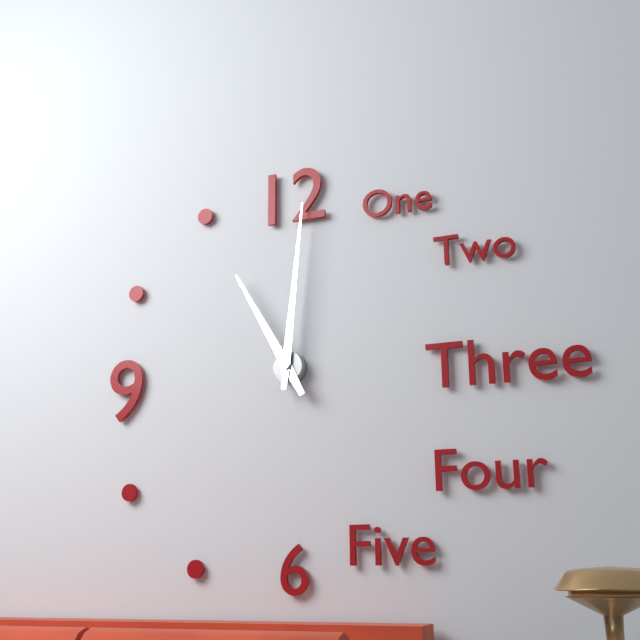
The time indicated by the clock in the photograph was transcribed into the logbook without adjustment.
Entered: 11:01
